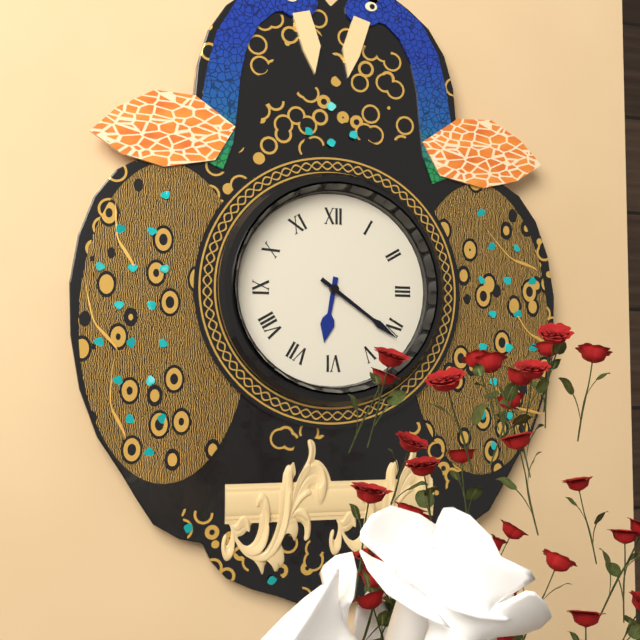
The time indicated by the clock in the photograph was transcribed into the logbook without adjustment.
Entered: 6:21
